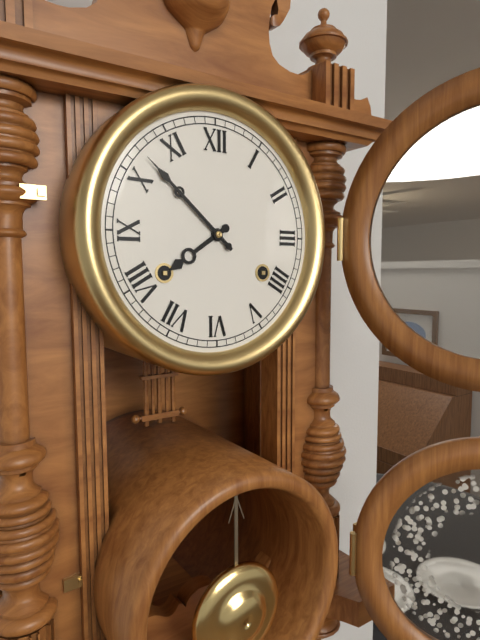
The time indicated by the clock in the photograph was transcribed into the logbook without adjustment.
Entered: 7:52
